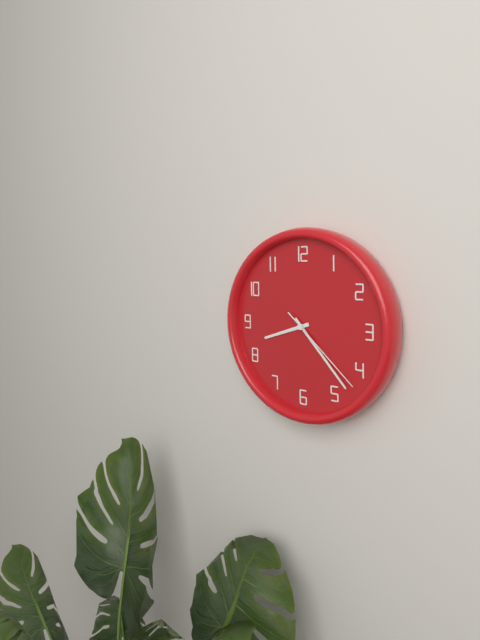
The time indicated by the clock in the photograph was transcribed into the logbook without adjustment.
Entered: 8:23:22
